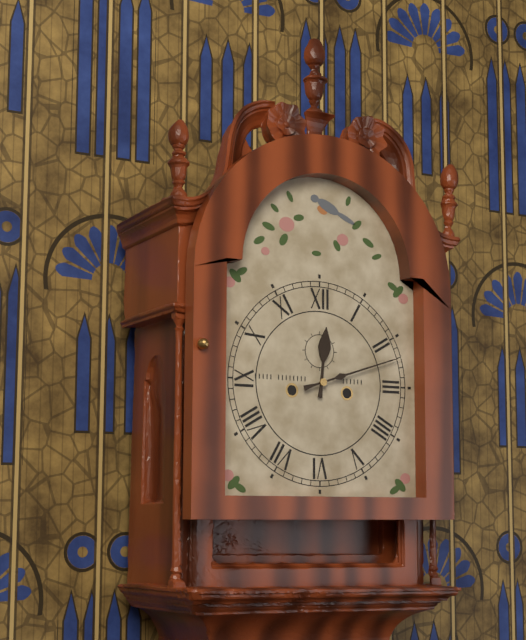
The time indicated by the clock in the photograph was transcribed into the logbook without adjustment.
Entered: 12:12
